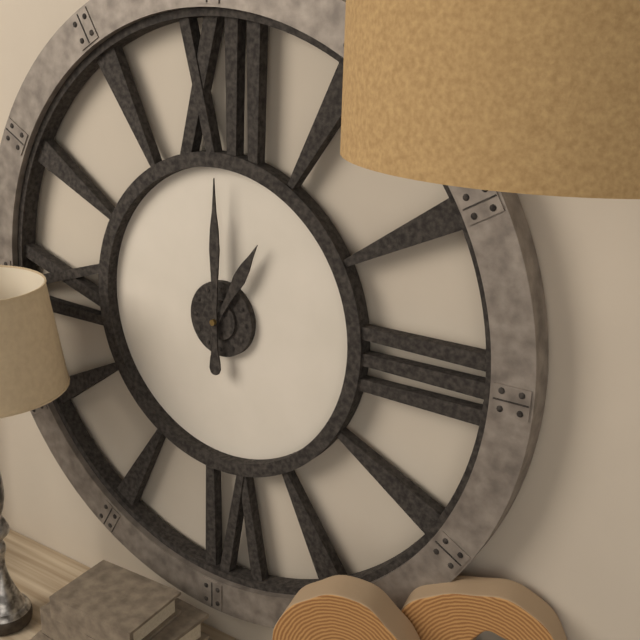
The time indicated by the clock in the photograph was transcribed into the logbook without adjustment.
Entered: 1:00
